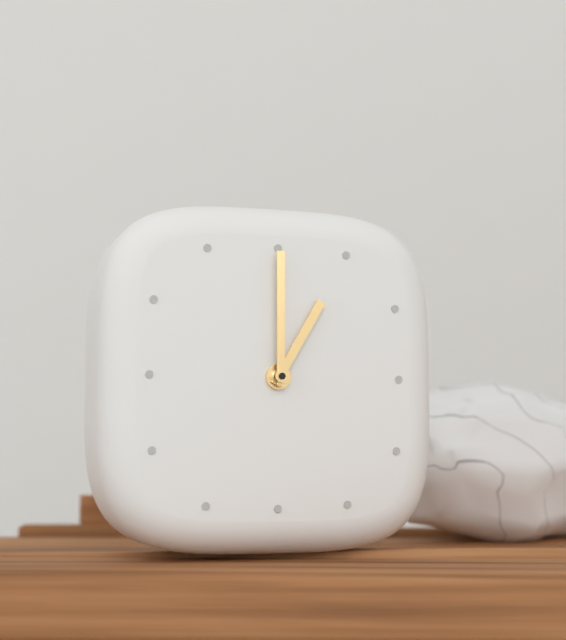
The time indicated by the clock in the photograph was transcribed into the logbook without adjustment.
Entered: 1:00
